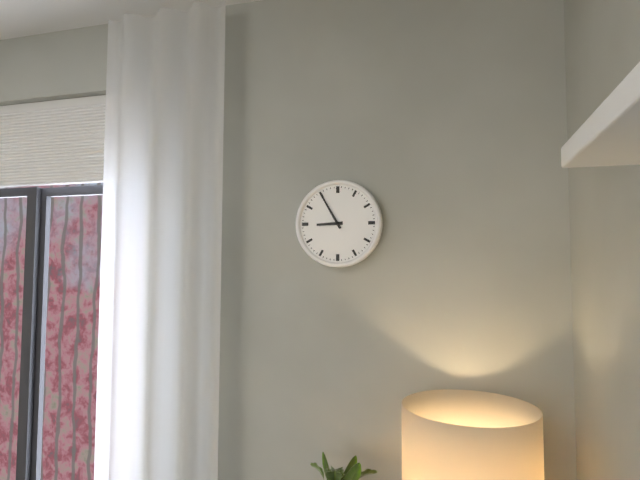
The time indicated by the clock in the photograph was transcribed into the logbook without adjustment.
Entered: 8:55
